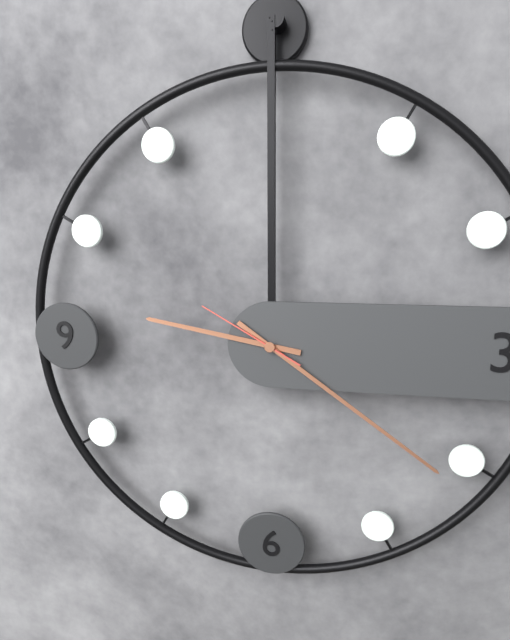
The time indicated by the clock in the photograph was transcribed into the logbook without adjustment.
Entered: 9:21:50
